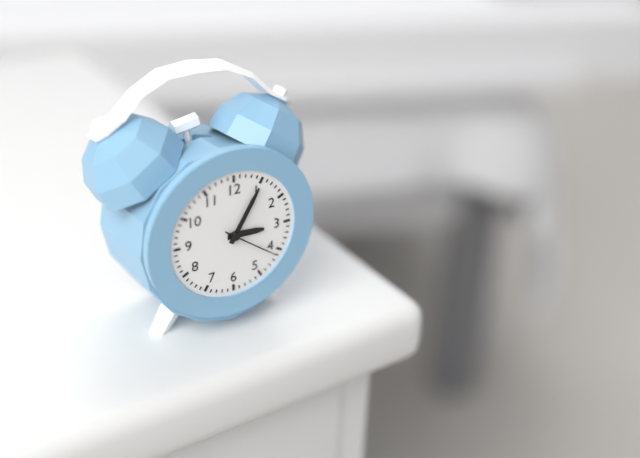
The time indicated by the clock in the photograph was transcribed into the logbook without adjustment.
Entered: 3:05:21
